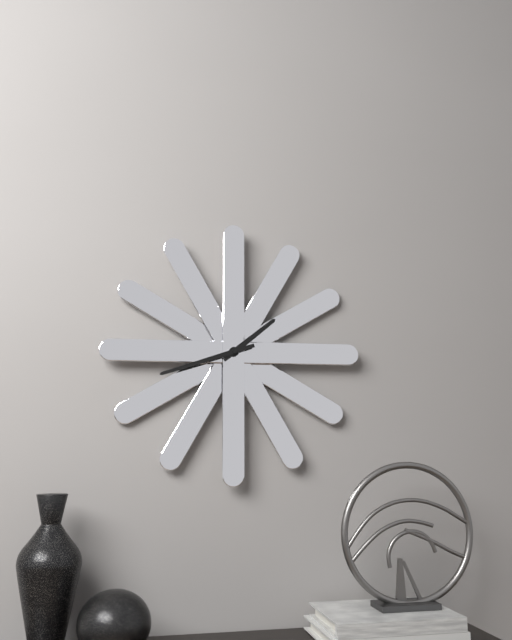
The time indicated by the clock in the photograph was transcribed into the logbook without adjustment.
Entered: 1:42
